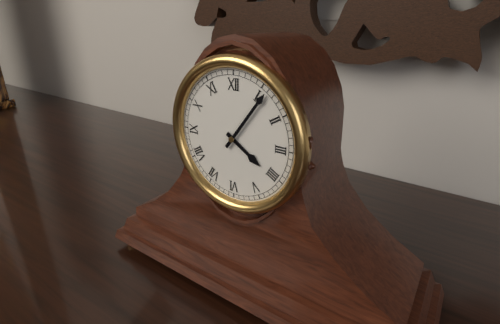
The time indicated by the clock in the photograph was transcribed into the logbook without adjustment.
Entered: 4:06
